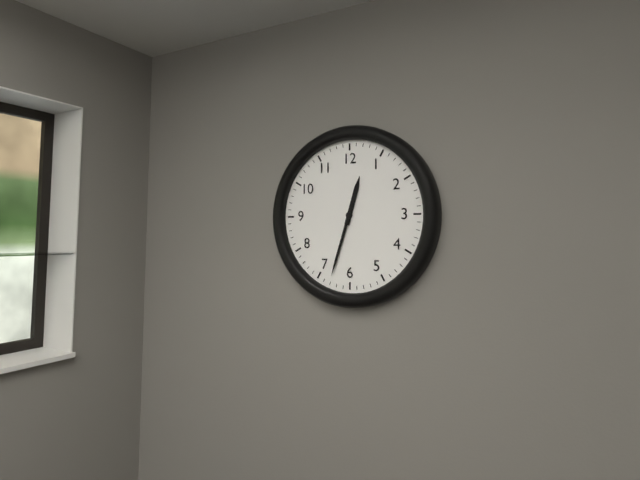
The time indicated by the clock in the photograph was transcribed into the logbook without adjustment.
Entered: 12:33
